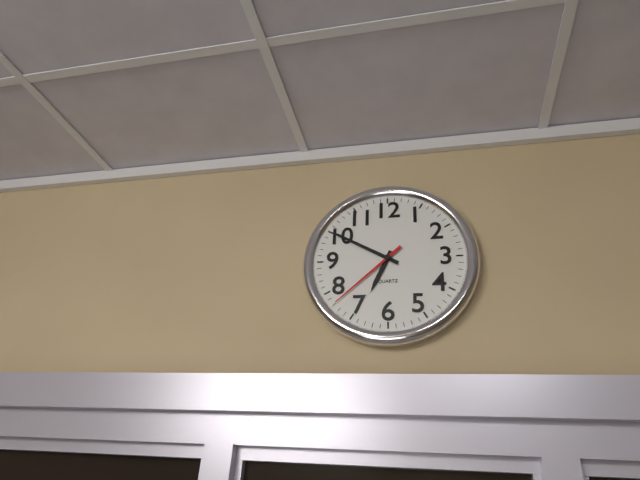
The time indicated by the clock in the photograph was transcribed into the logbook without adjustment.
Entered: 6:50:38
